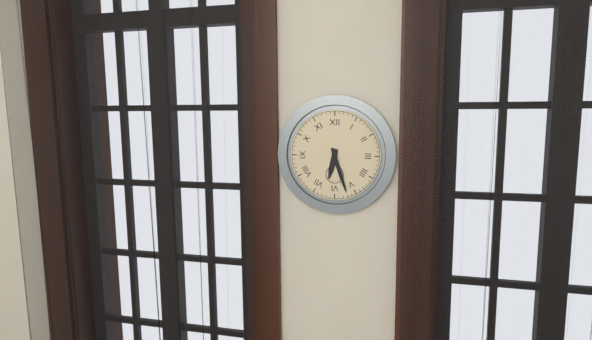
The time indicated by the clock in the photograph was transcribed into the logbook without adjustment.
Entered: 6:27
